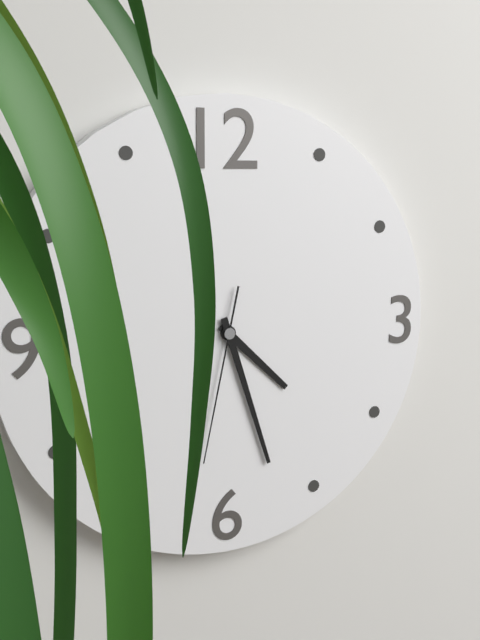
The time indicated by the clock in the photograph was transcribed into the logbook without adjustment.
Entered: 4:27:32
